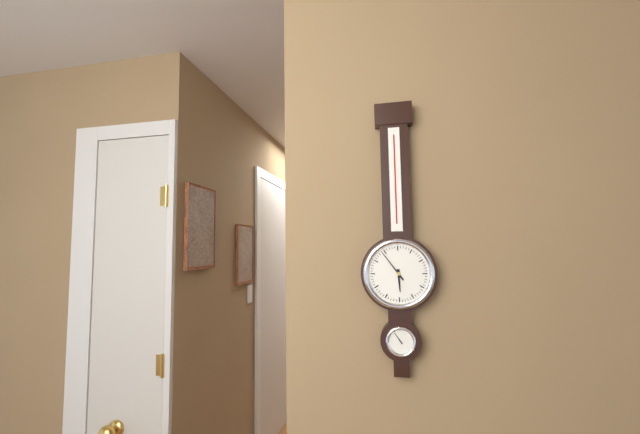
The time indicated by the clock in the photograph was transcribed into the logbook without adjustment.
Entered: 5:54
